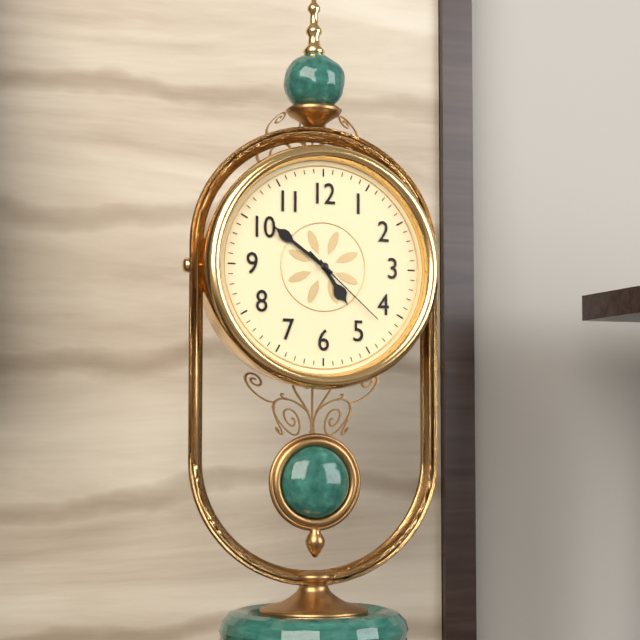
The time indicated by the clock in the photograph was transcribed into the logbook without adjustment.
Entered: 4:51:22
